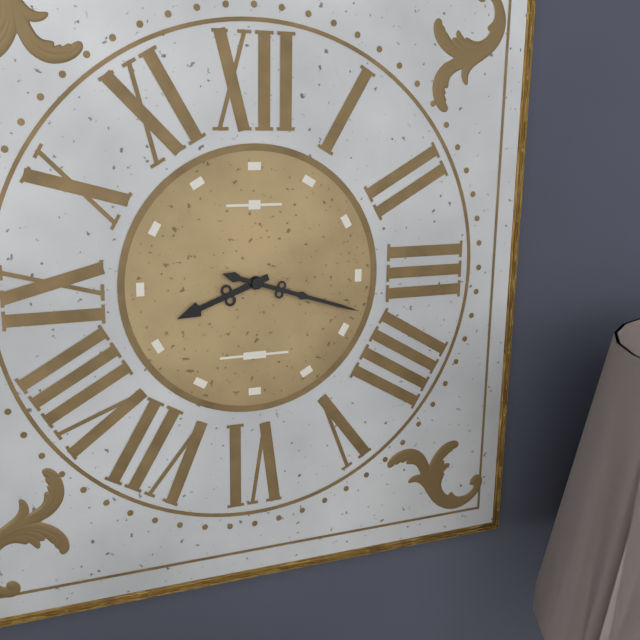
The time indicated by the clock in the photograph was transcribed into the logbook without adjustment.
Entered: 8:18
